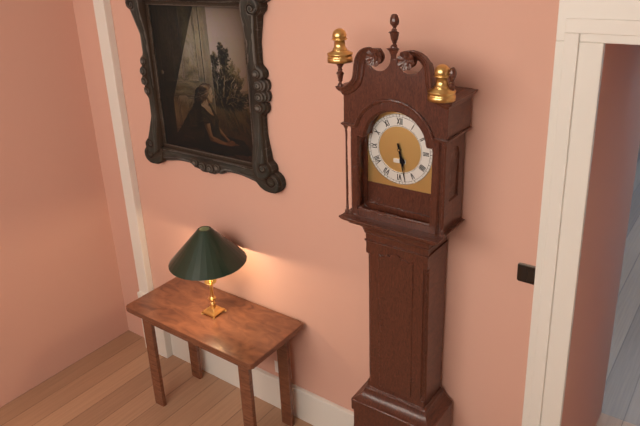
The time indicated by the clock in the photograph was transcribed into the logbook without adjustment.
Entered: 5:28
